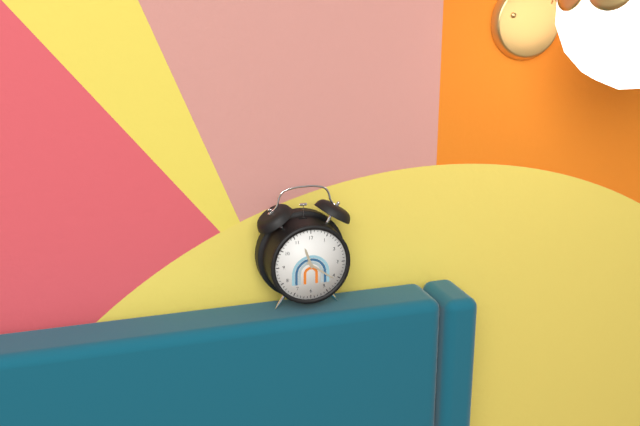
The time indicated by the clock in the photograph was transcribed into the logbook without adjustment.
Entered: 11:21
